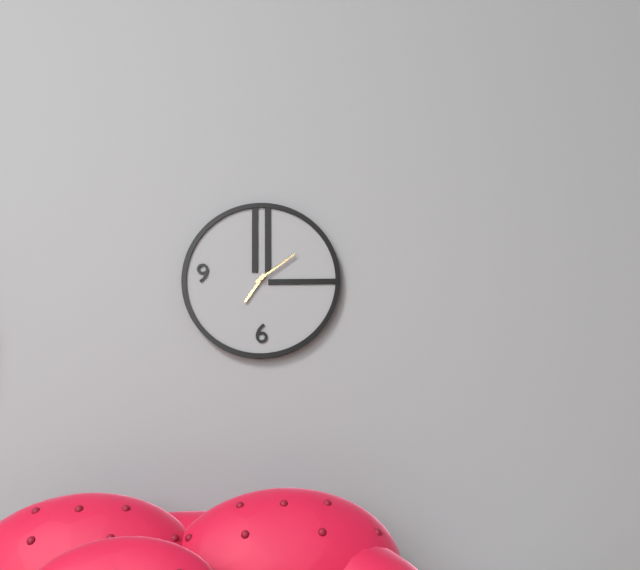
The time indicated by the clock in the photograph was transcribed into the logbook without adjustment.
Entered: 7:09
